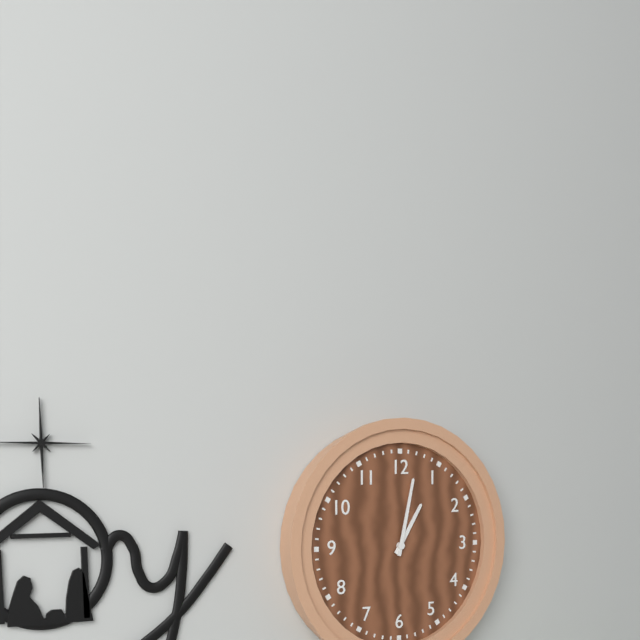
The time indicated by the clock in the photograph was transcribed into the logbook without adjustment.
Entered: 1:02
